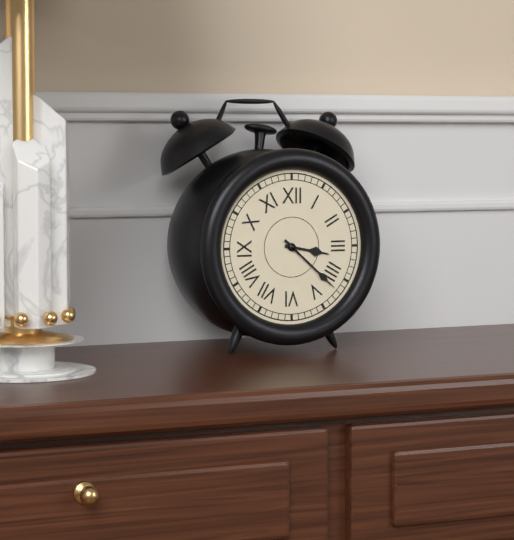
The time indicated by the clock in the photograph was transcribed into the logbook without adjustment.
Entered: 3:22
